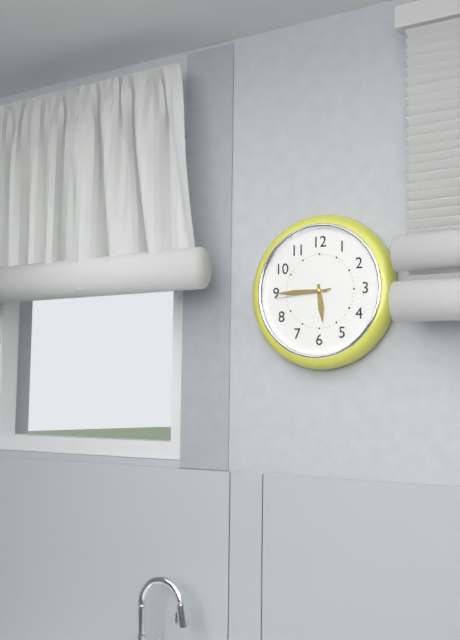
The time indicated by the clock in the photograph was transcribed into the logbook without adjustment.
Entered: 5:45:44
